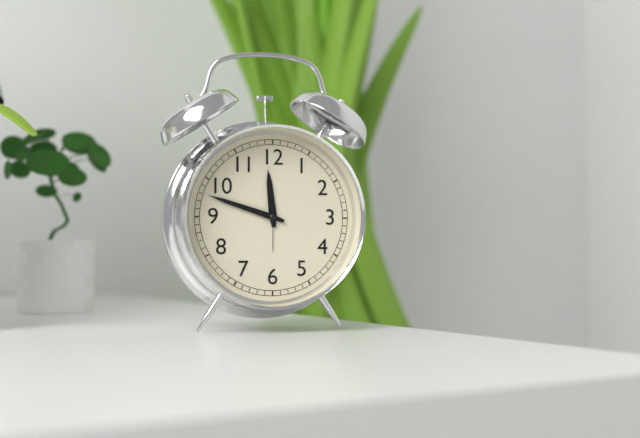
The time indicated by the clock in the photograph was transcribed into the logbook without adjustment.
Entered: 11:48
